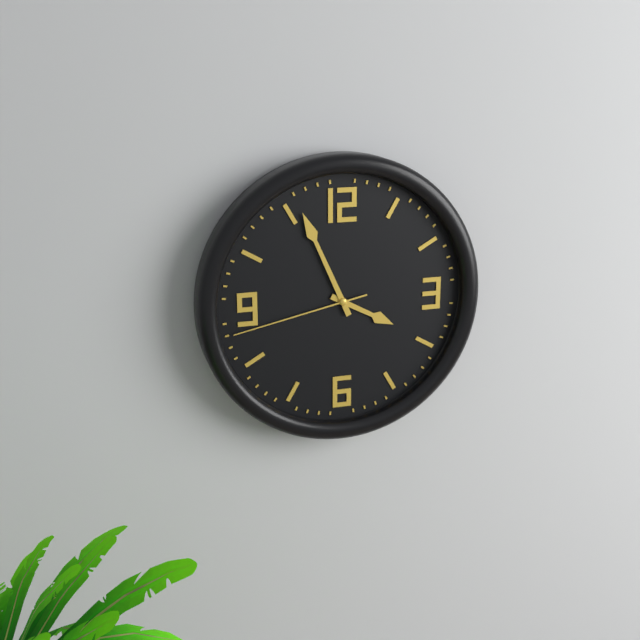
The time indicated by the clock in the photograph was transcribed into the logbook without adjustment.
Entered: 3:56:43
